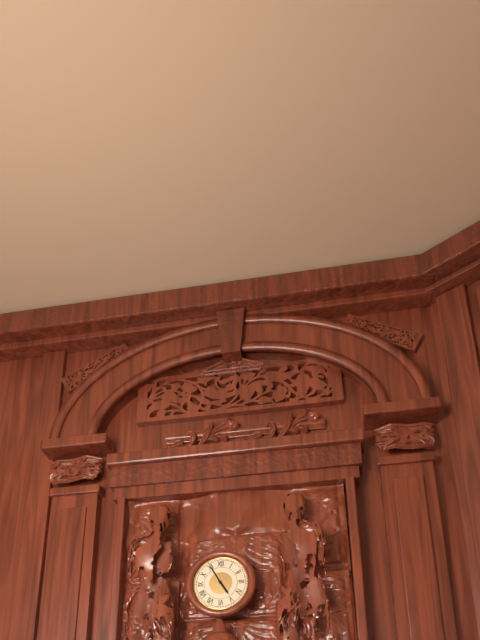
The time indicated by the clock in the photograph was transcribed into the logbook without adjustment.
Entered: 4:55
